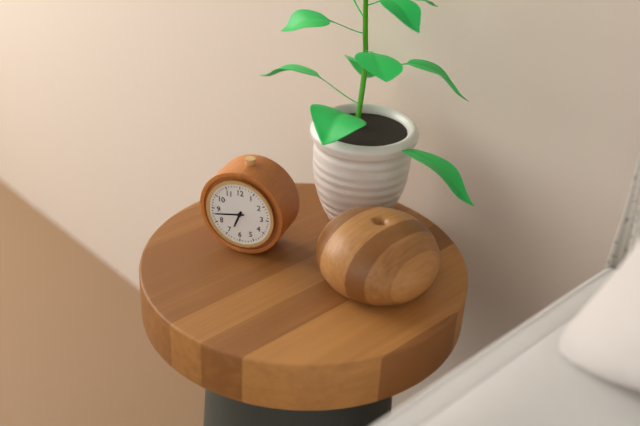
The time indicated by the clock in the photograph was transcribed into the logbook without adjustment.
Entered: 6:43
